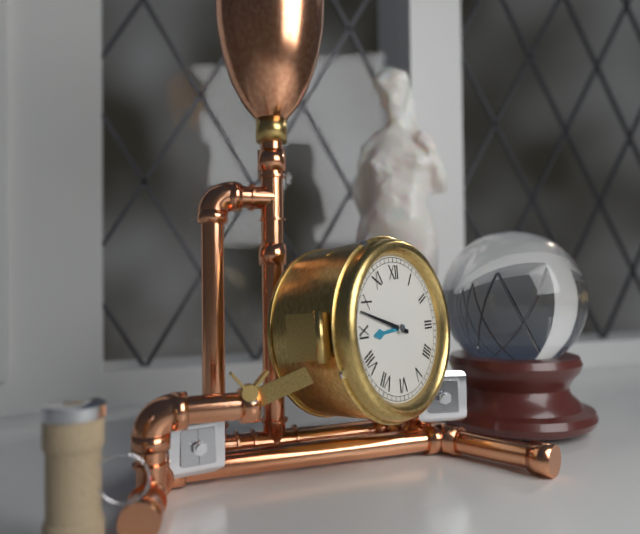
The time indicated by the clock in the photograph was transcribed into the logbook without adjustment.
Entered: 8:48
